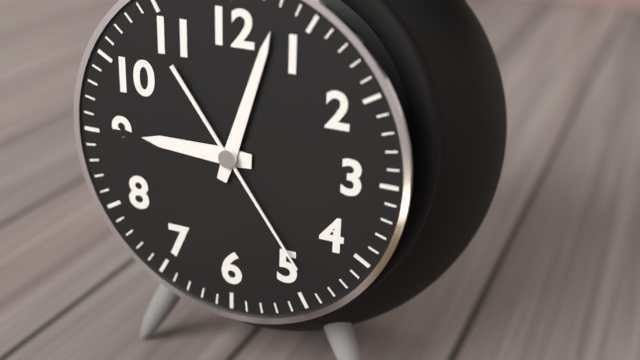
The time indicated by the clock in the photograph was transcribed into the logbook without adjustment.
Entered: 9:03:24
